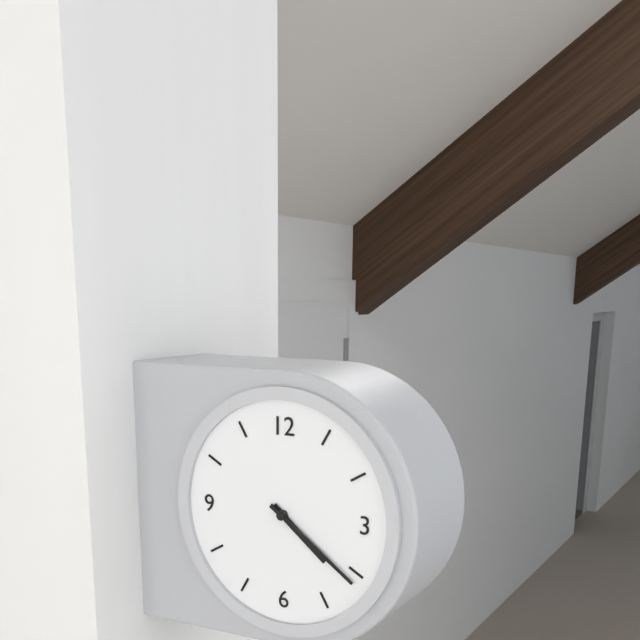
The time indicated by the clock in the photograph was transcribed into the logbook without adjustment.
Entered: 4:21
